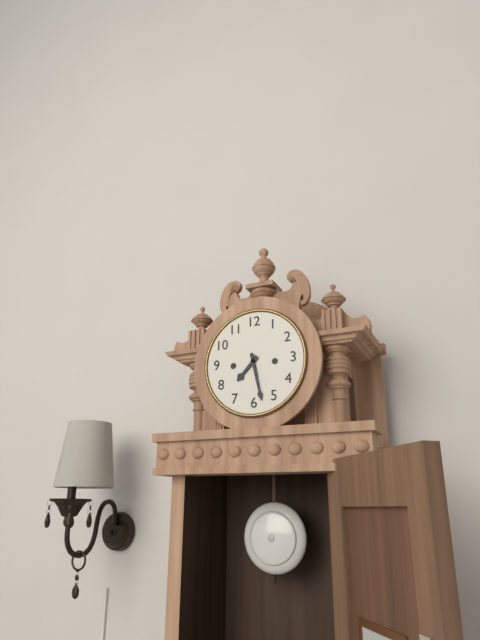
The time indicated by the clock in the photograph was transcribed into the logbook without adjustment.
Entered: 7:28
